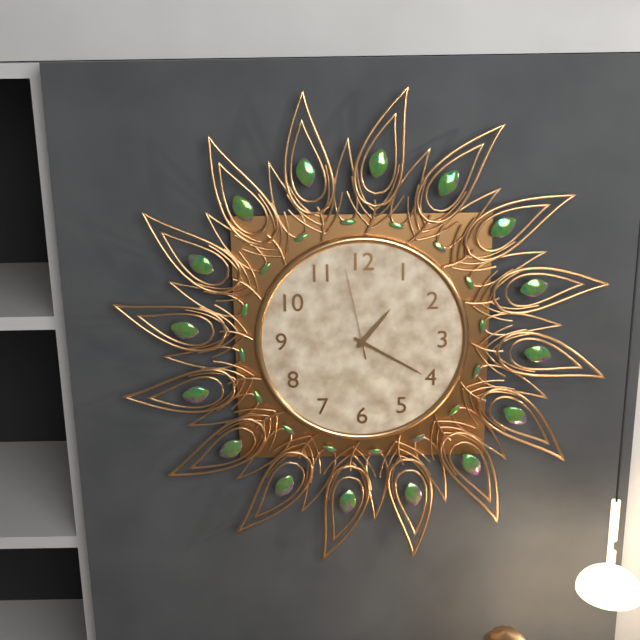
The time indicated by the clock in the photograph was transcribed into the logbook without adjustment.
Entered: 1:20:58
